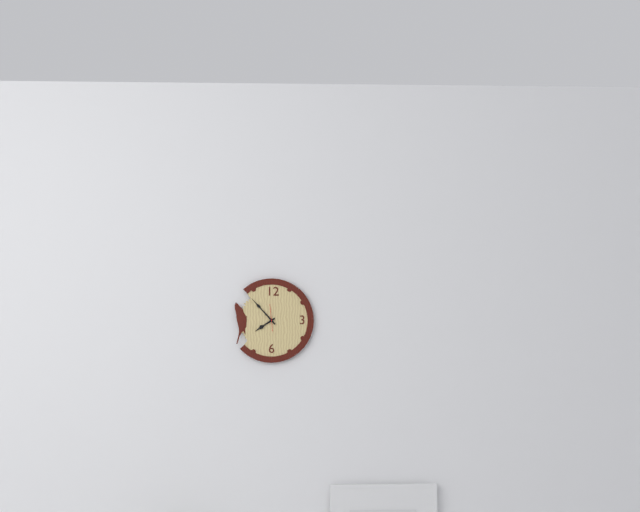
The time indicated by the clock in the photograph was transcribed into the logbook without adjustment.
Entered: 7:53
